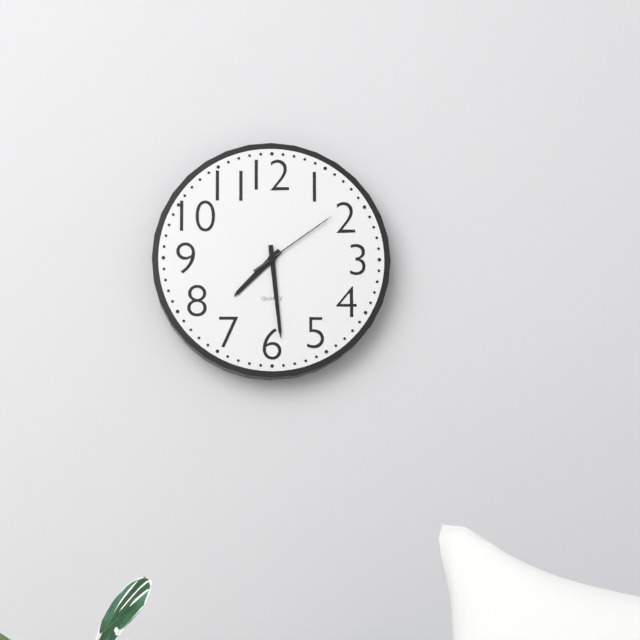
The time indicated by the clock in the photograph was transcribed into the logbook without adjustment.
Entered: 7:29:09
